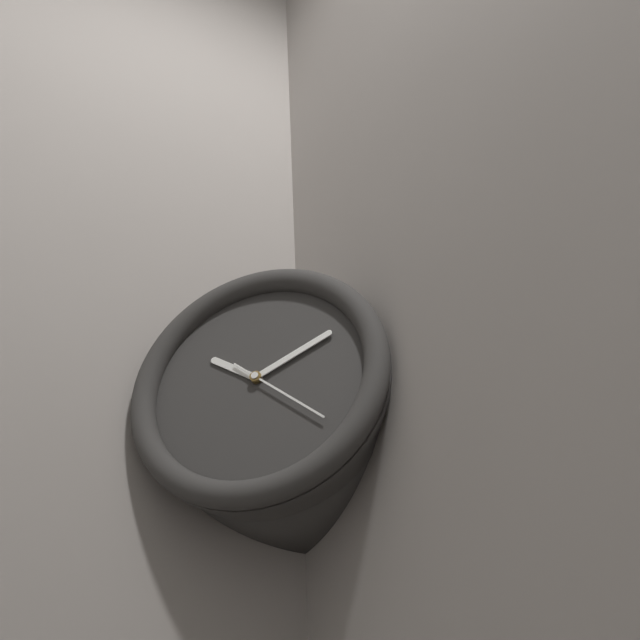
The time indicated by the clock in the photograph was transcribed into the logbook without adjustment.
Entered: 10:11:22
